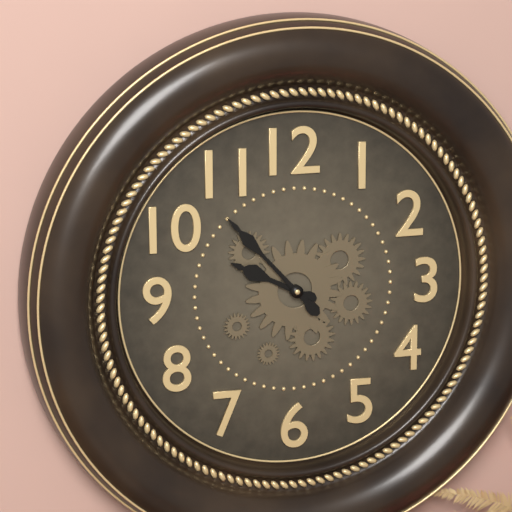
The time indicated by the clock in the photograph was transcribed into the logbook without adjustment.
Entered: 9:53
